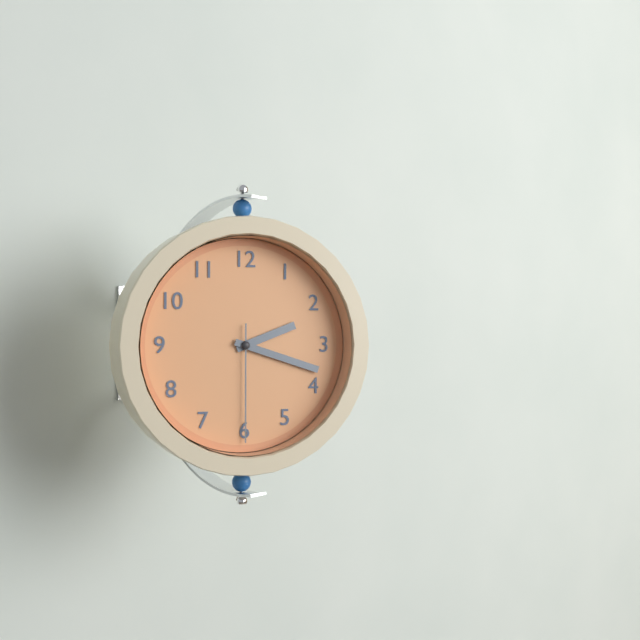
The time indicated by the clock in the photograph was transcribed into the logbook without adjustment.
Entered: 2:18:30
